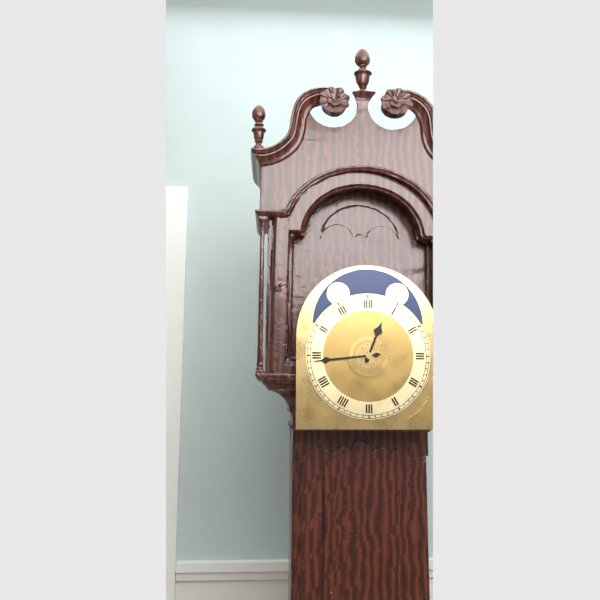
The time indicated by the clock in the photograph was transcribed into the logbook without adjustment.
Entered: 12:44
